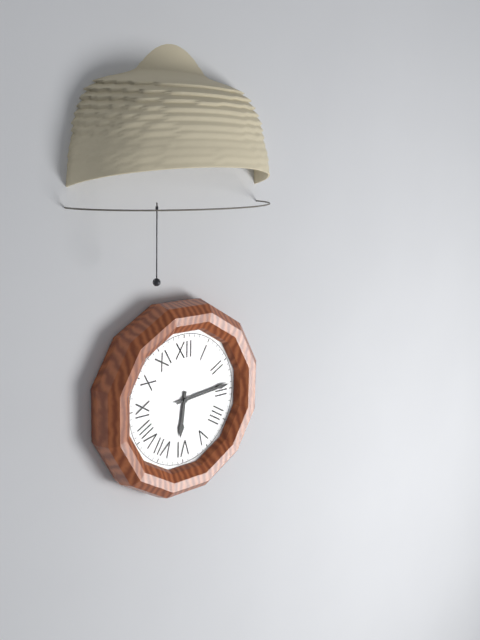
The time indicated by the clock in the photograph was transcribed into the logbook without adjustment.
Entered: 6:14
